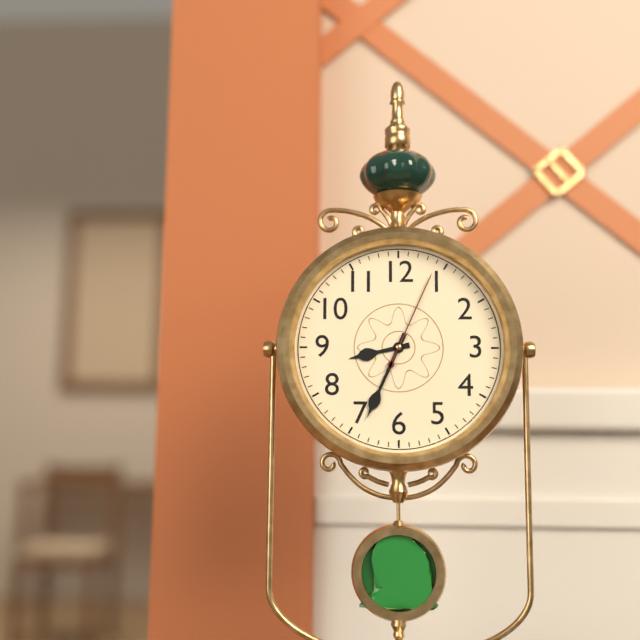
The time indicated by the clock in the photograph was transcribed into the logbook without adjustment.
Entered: 8:34:04
